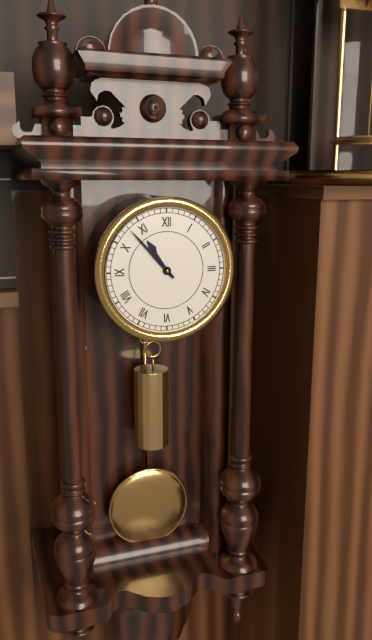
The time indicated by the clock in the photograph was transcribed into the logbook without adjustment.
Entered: 10:53
